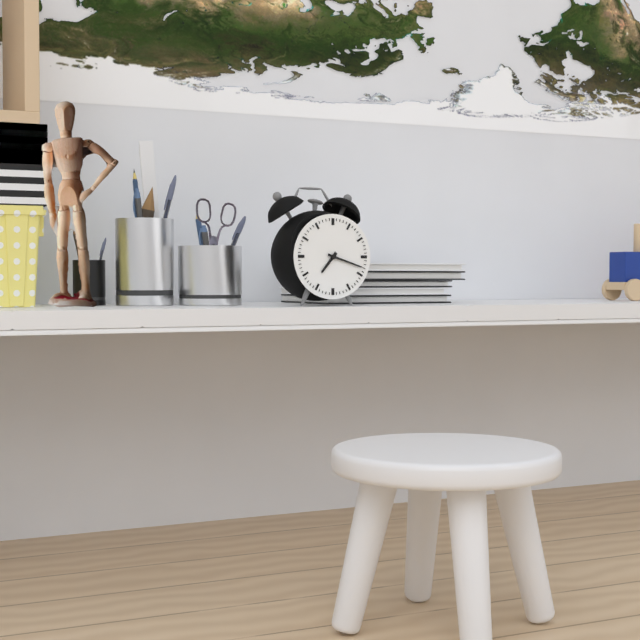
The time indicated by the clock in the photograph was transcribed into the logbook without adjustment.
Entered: 7:18
